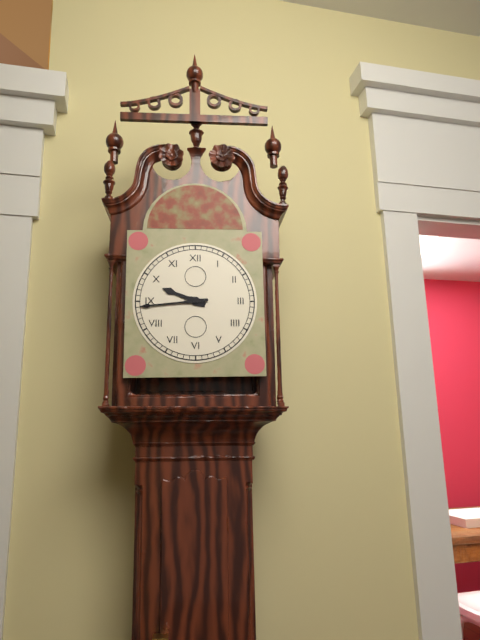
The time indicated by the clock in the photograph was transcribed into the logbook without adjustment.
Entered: 9:44
